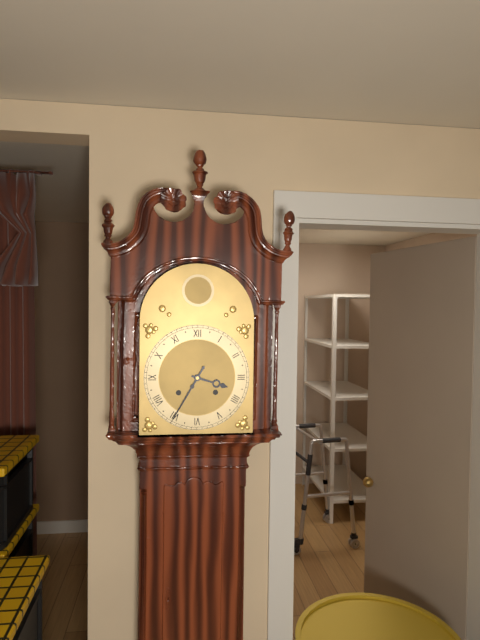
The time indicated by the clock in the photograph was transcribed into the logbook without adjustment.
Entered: 3:35
